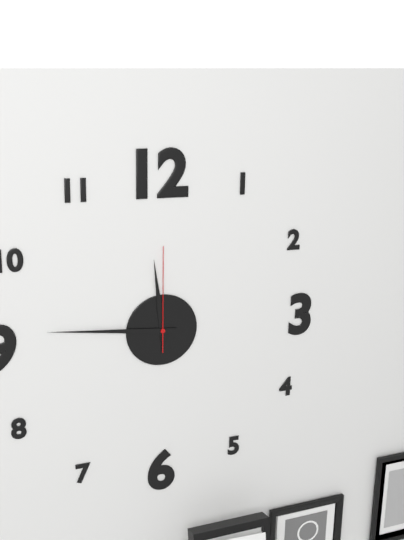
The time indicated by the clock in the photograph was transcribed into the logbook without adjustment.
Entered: 11:46:00
